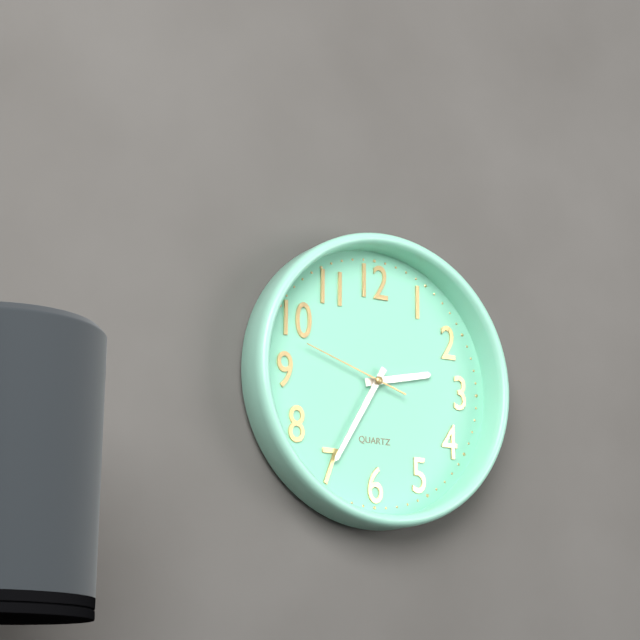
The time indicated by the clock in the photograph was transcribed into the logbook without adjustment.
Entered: 2:35:48
